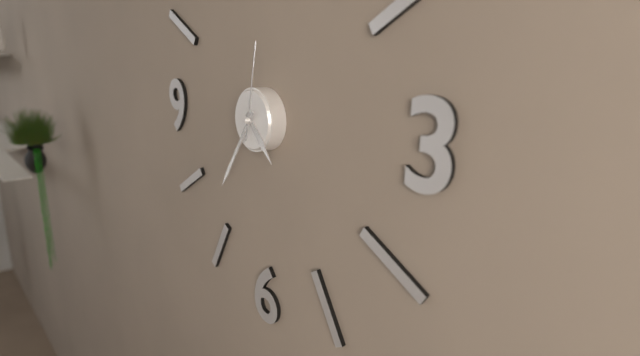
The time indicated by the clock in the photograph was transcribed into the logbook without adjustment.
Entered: 4:36:02
